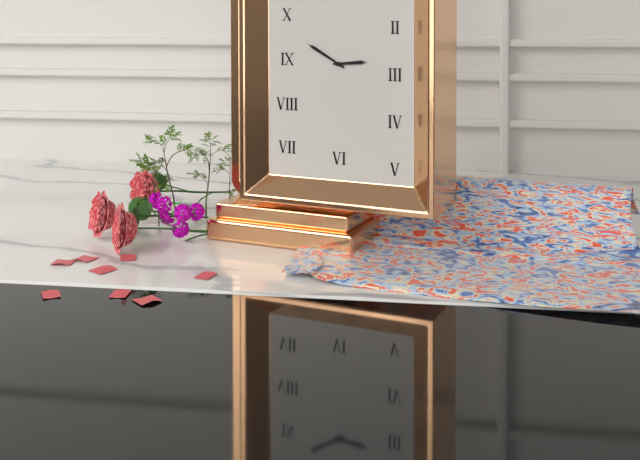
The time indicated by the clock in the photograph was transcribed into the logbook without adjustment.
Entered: 2:50
